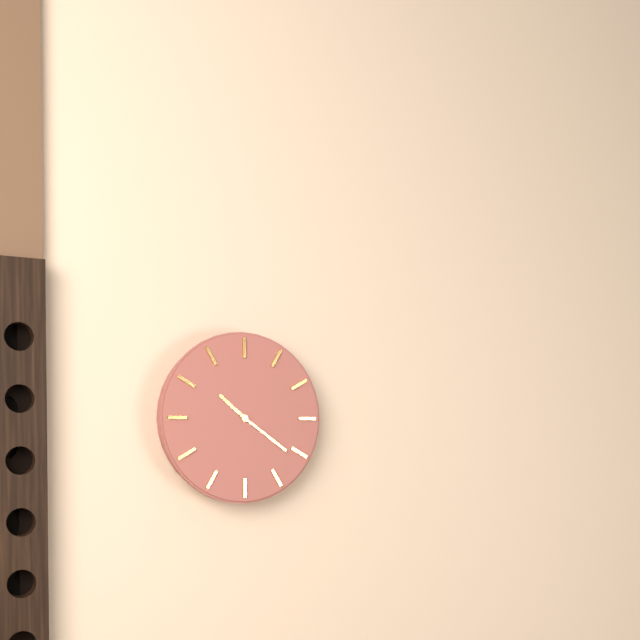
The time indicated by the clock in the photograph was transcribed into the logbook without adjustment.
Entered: 10:21
